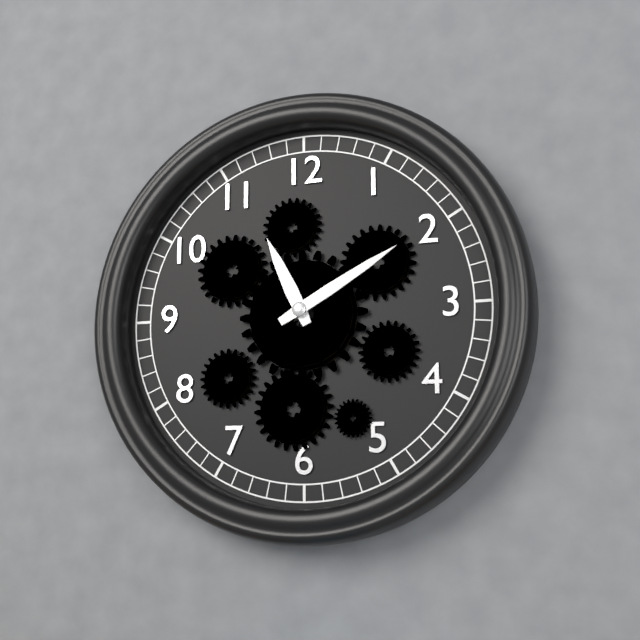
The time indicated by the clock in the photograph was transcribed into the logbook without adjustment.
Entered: 11:10
